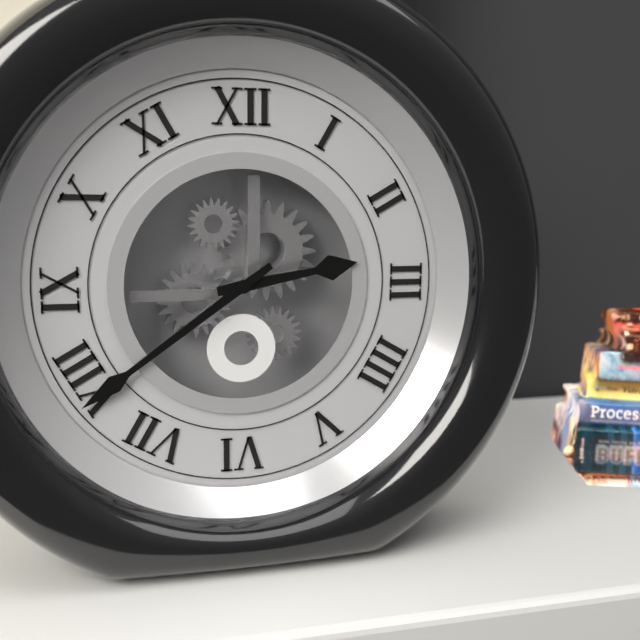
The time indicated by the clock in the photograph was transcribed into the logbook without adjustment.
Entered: 2:39
